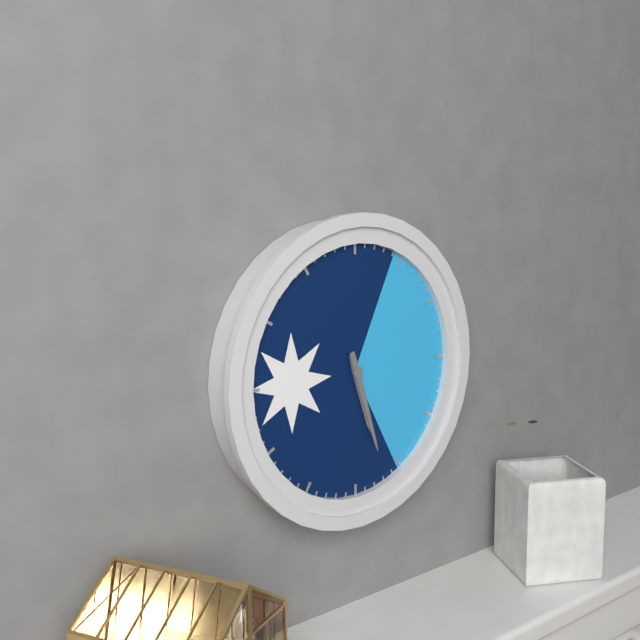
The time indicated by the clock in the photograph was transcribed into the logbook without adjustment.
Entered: 5:27
